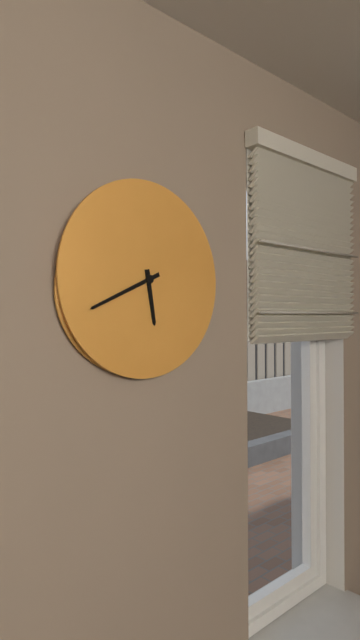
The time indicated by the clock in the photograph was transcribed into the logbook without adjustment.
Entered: 5:41
